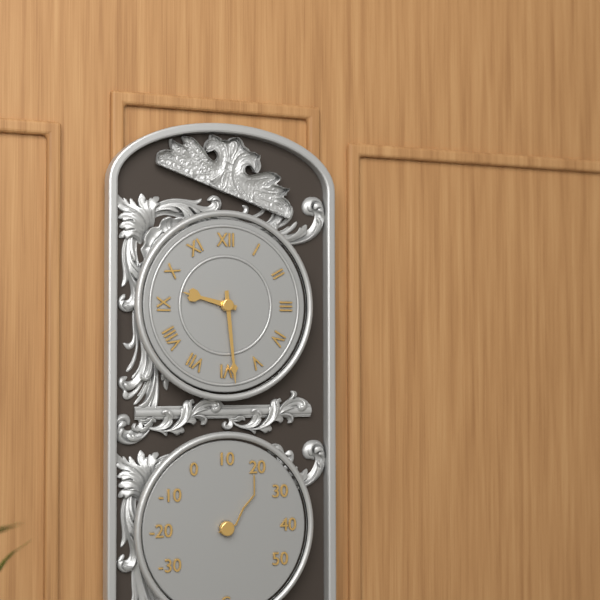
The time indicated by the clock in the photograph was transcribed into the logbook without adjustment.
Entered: 9:29
